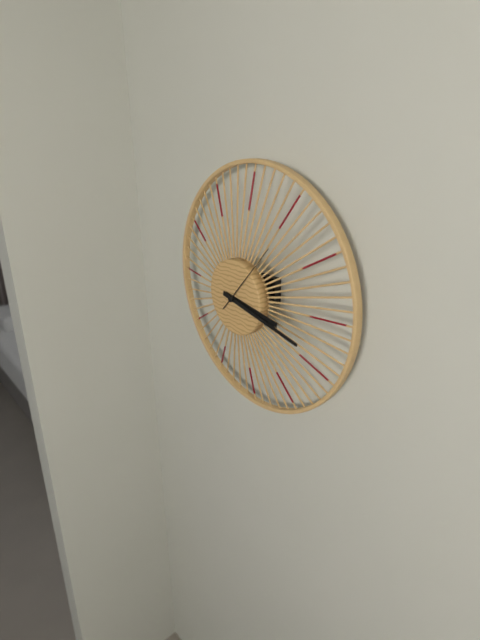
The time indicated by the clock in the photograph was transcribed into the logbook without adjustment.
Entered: 3:17:07
